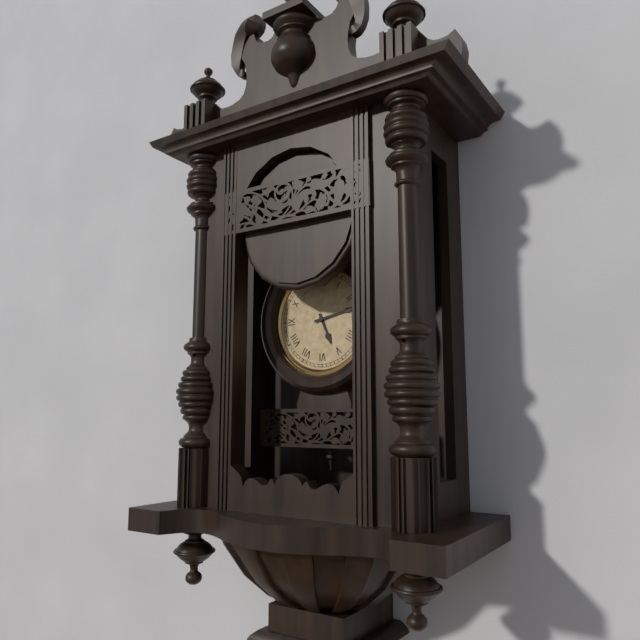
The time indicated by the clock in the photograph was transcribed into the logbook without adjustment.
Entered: 5:13
